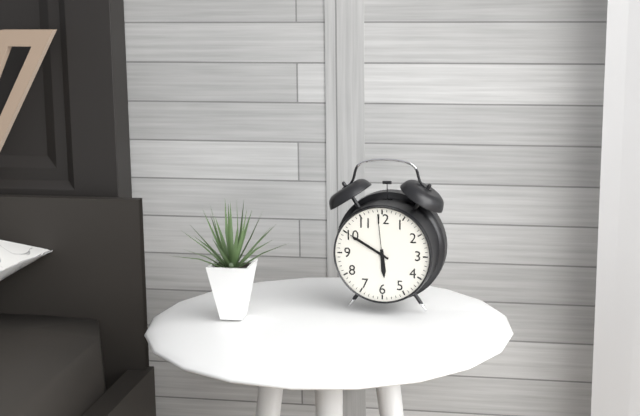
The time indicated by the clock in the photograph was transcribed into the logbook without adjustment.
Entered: 5:50:59
